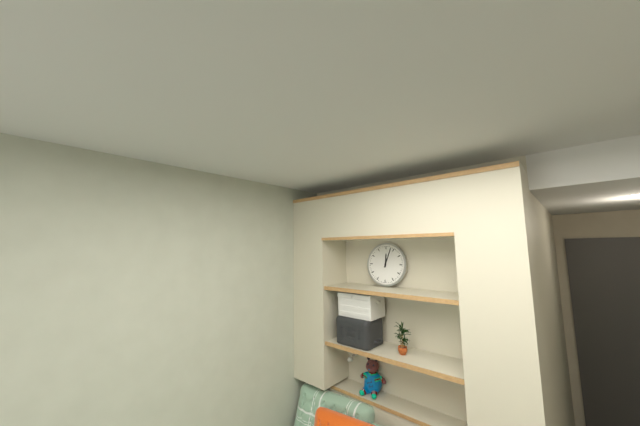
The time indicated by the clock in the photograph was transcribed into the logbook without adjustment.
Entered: 12:03
